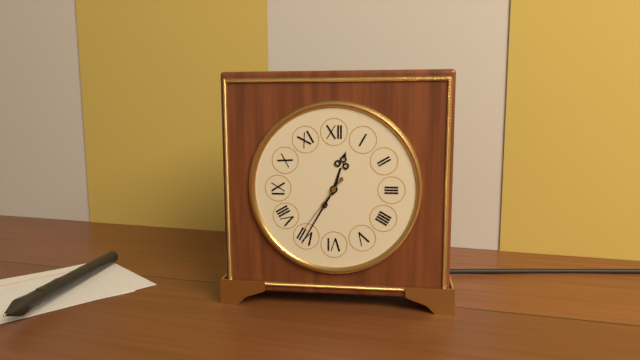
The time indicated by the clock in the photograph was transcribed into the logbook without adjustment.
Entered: 12:35:36
